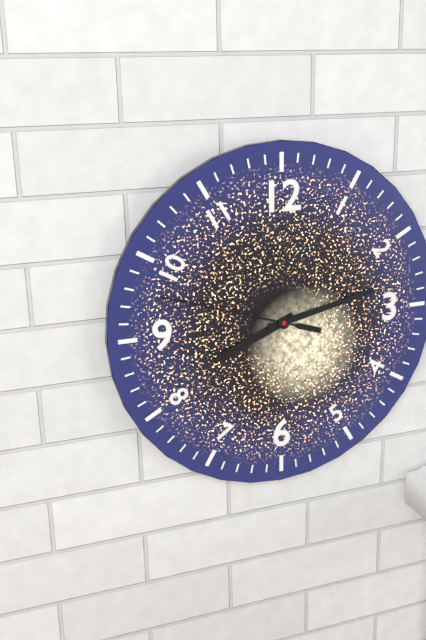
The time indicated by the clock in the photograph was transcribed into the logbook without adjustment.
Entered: 8:13:48
